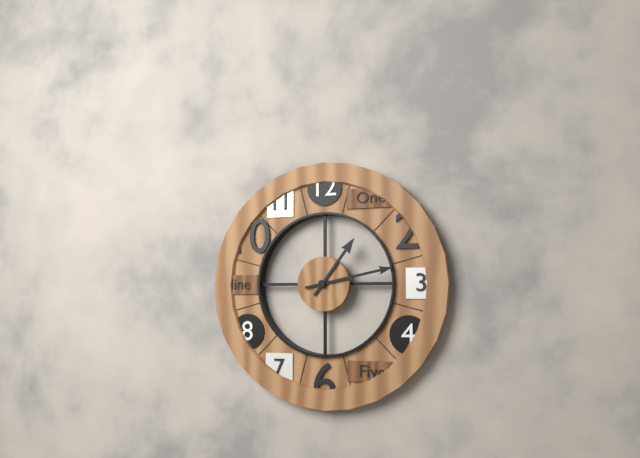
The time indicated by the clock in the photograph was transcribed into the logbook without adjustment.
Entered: 1:13
